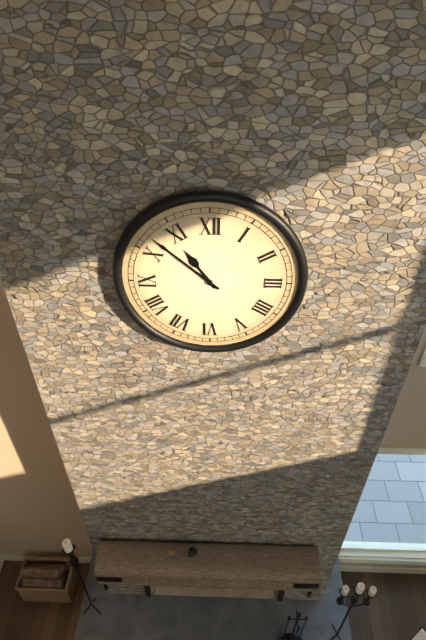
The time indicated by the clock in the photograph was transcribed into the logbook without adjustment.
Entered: 10:52
